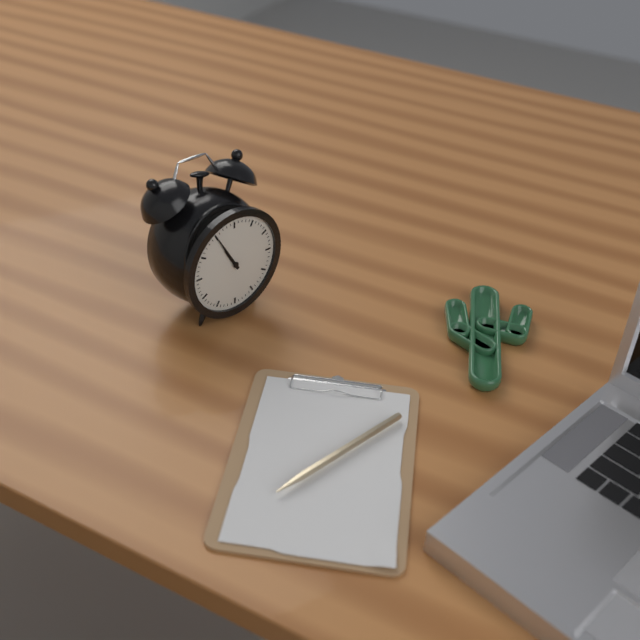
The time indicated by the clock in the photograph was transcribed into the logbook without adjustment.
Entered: 10:55
